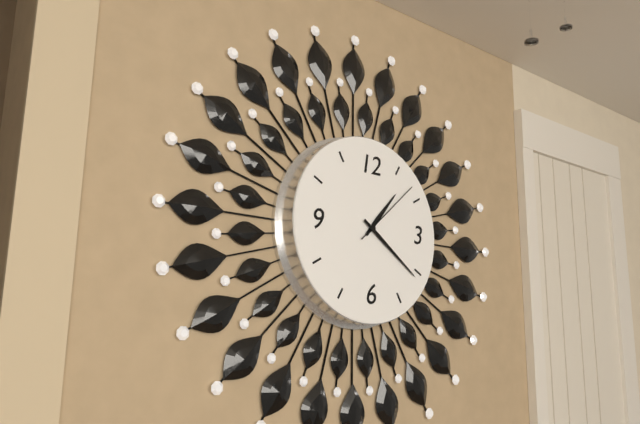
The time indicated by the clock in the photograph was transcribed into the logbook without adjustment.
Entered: 1:21:08
